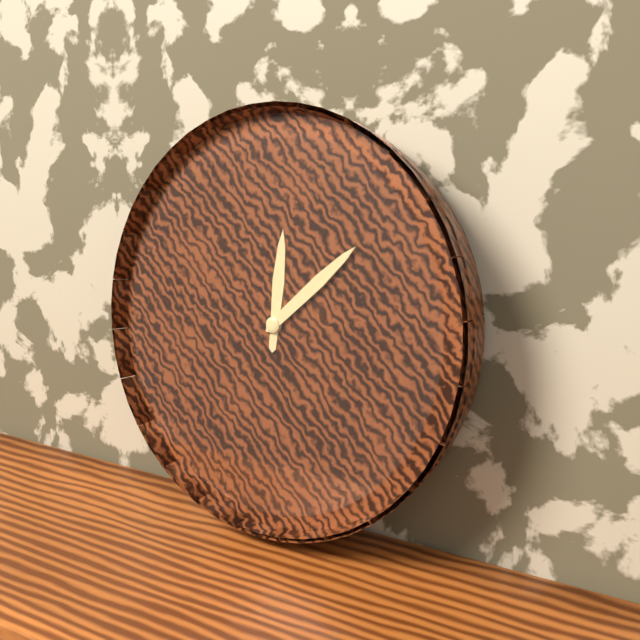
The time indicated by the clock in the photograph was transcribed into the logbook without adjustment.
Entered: 12:08
